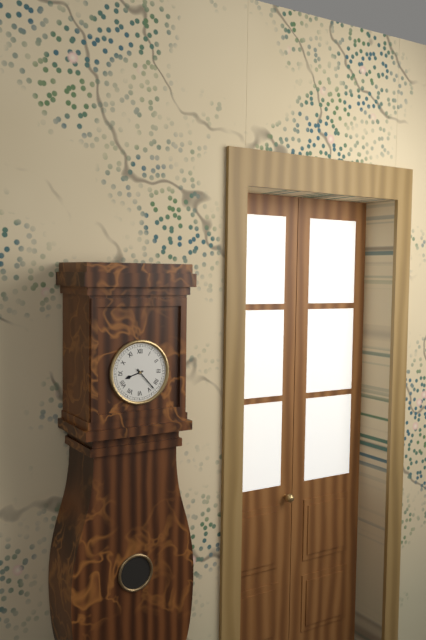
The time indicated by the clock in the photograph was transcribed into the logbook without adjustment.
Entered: 8:23
